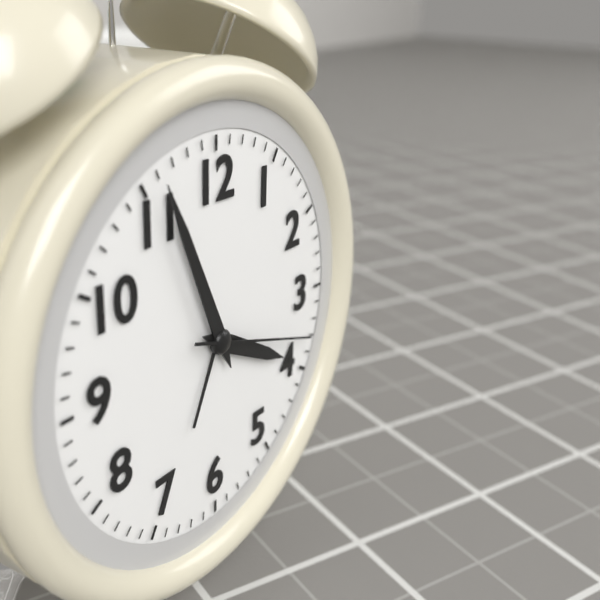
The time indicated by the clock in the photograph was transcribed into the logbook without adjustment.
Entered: 3:56:18
